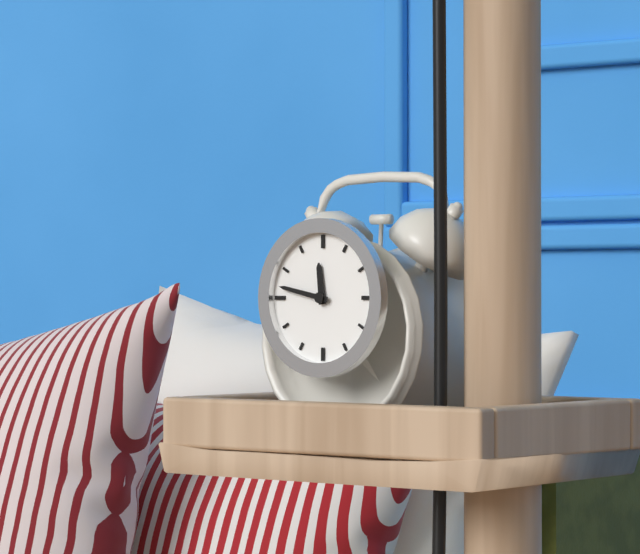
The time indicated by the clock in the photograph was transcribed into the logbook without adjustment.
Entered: 11:47
